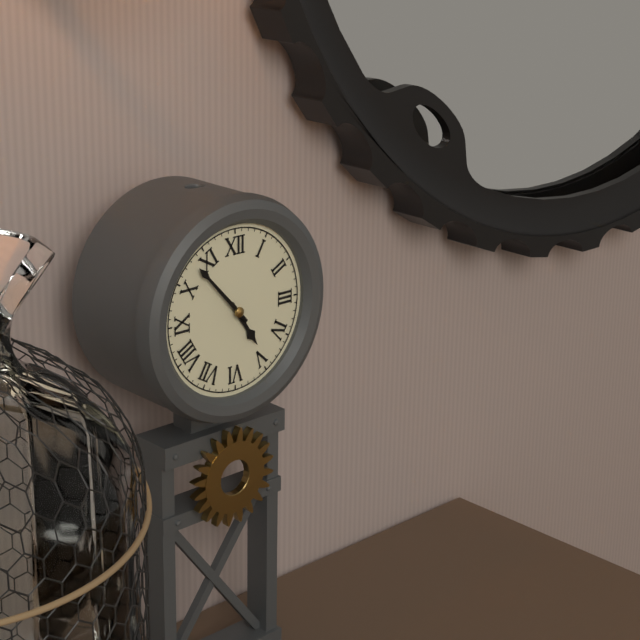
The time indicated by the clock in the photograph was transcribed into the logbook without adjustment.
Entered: 4:53
